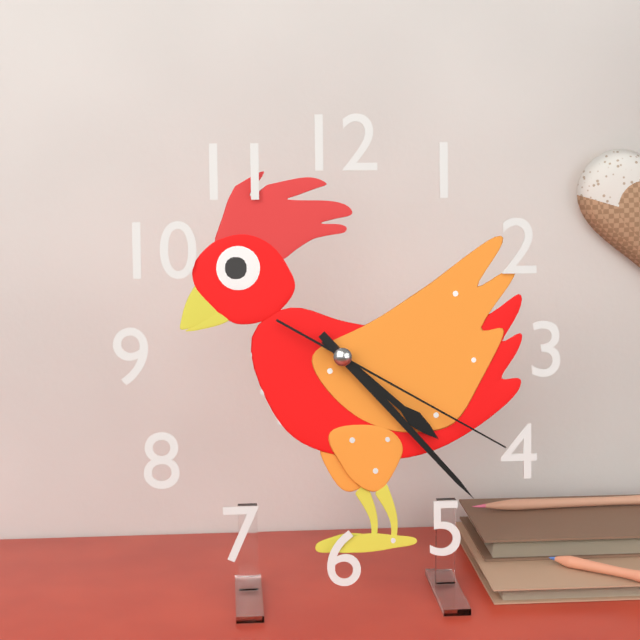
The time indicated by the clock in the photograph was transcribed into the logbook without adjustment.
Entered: 4:23:20
